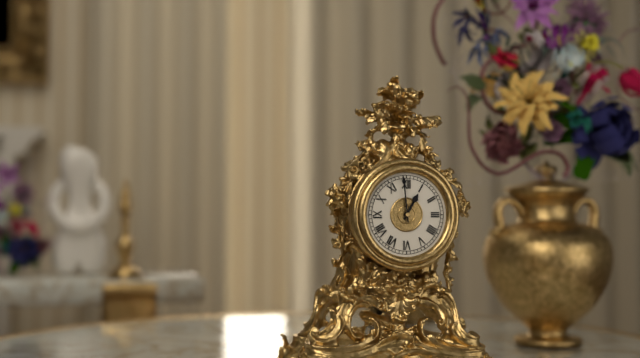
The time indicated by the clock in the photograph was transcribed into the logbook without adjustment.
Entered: 12:59
